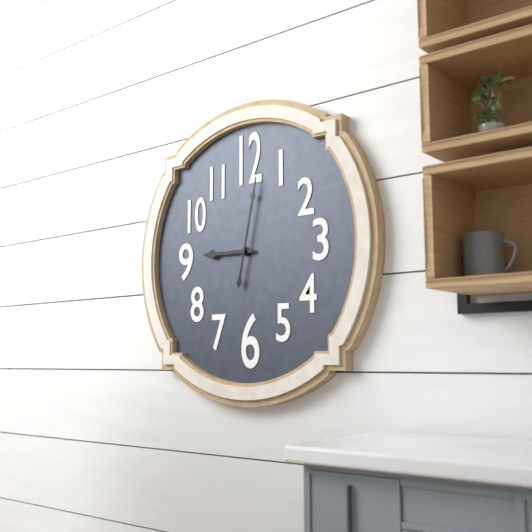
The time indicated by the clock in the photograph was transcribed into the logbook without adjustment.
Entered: 9:02
